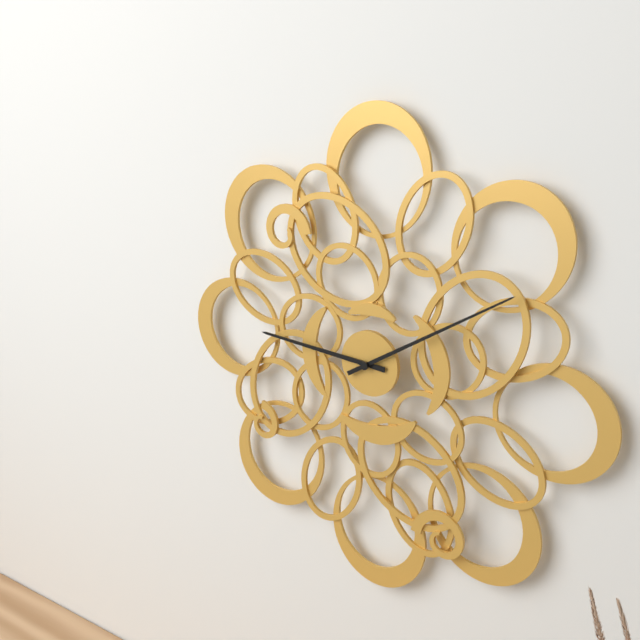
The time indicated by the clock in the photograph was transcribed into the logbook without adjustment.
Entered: 9:10
